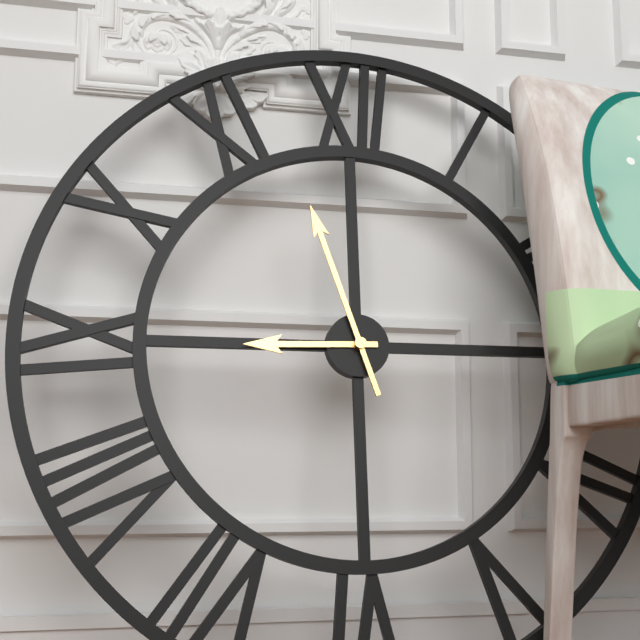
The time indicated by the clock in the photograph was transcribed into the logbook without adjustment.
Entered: 8:57
